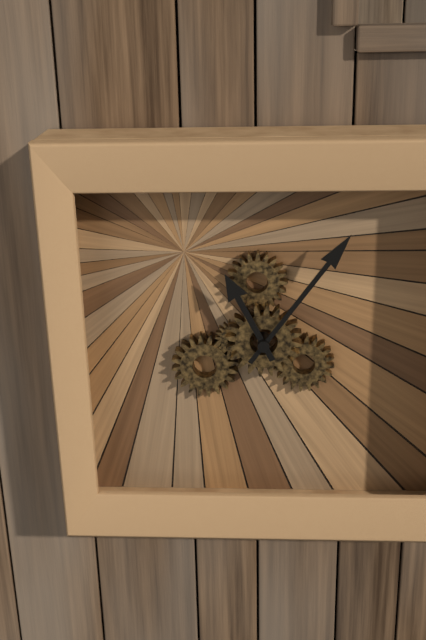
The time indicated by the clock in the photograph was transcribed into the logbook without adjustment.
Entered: 11:06
